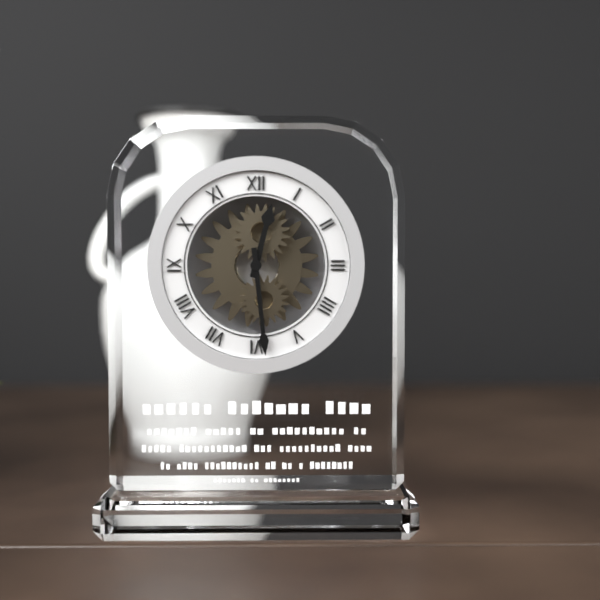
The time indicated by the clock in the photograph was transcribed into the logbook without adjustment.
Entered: 12:29
